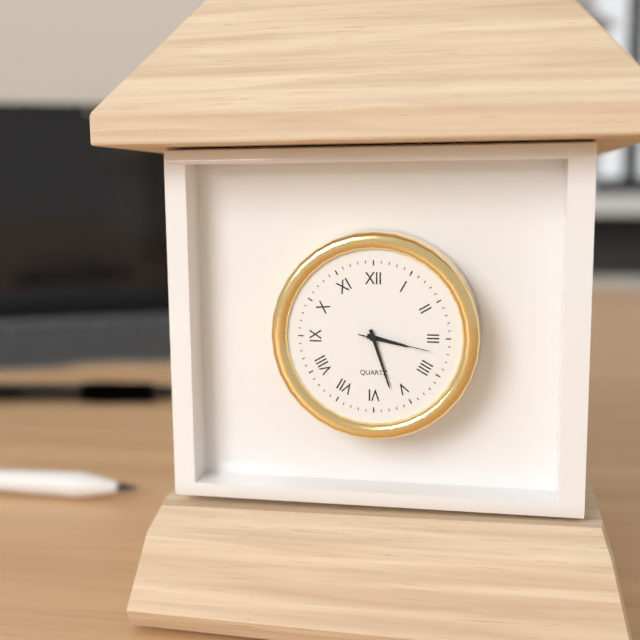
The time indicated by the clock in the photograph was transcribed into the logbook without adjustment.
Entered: 3:27:17
